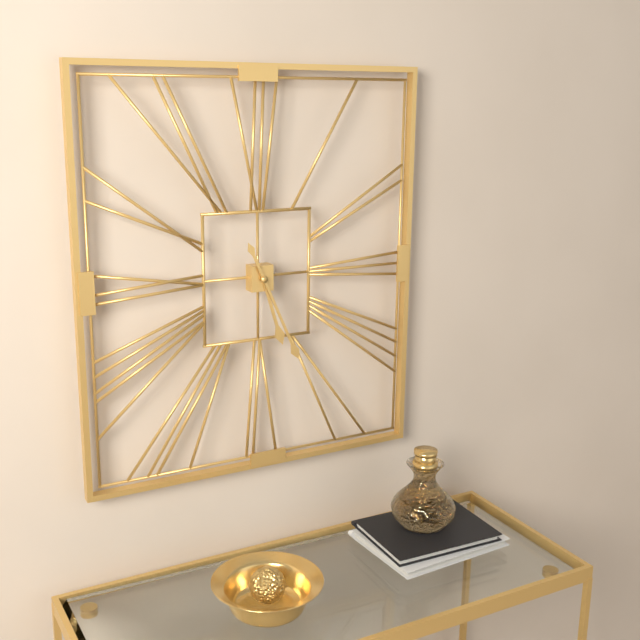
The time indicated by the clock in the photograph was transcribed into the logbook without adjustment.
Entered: 5:26
